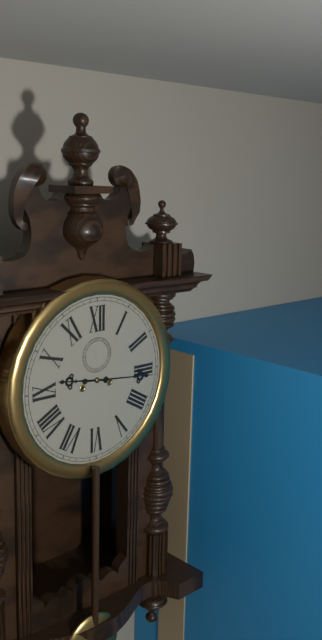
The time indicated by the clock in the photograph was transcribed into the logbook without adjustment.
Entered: 9:16
